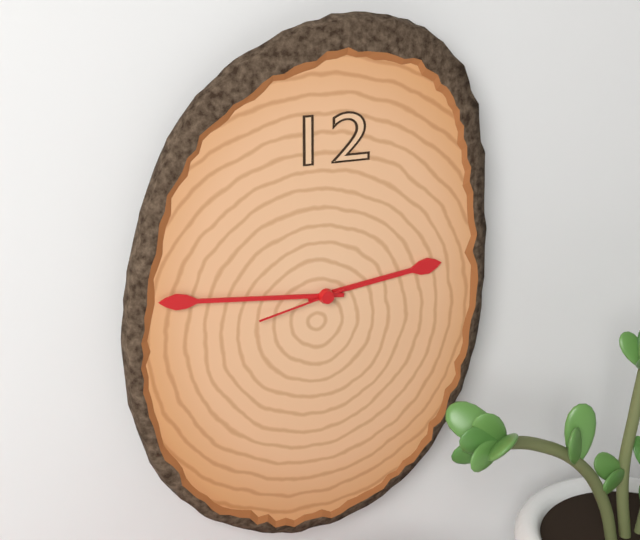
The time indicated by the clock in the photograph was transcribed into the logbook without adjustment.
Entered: 2:46:43
